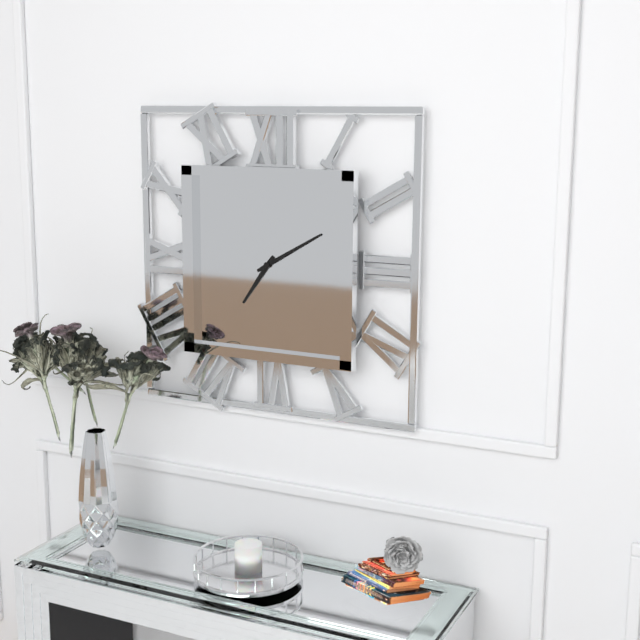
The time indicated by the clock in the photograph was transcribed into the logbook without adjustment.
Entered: 7:10
